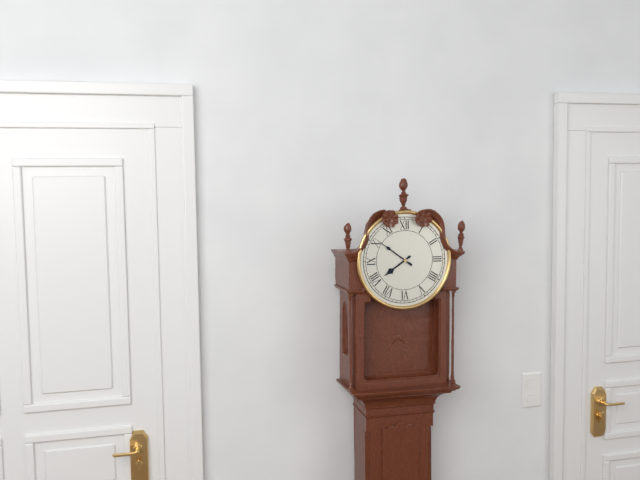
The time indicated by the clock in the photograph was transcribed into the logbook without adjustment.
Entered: 7:51
